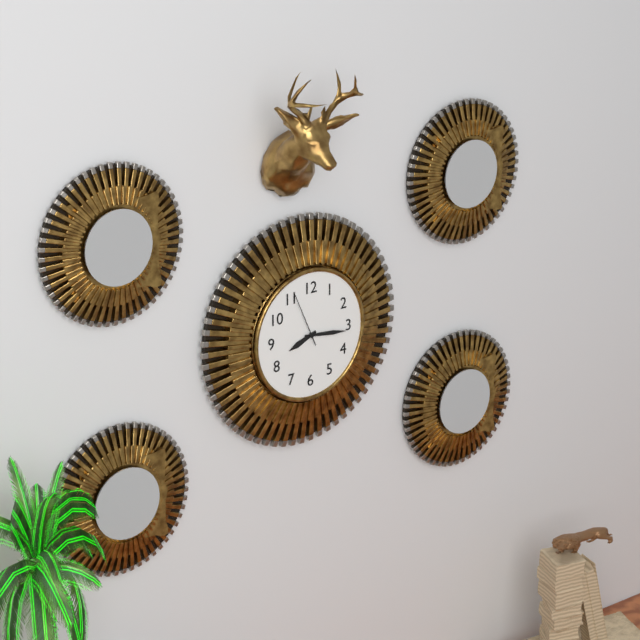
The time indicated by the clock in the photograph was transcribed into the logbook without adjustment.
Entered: 8:16:56
